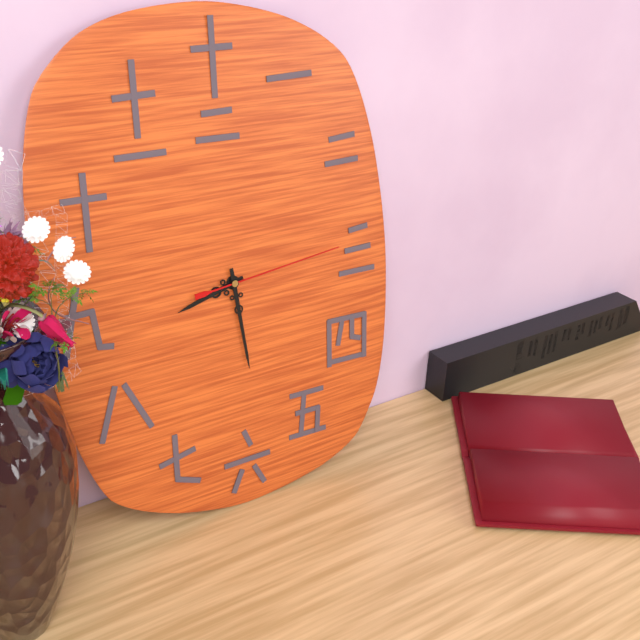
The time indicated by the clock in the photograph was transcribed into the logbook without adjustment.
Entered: 8:29:14
